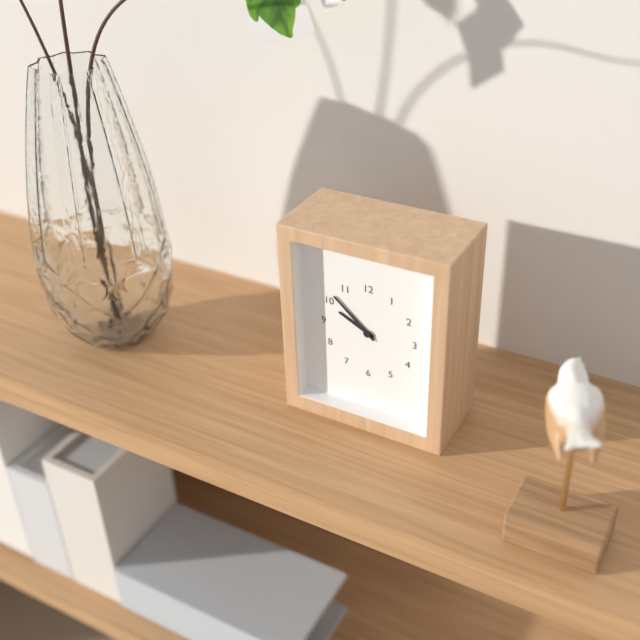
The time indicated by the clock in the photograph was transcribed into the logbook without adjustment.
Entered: 9:52
